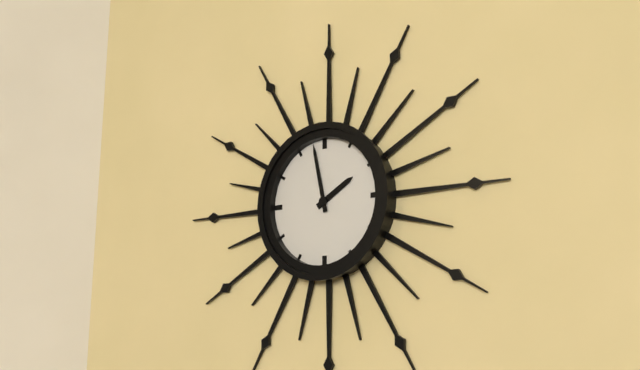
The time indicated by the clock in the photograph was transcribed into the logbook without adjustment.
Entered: 1:58
